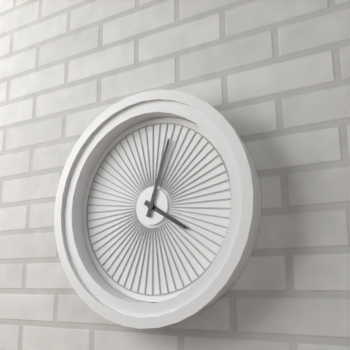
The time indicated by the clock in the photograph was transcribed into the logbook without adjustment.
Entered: 4:03
